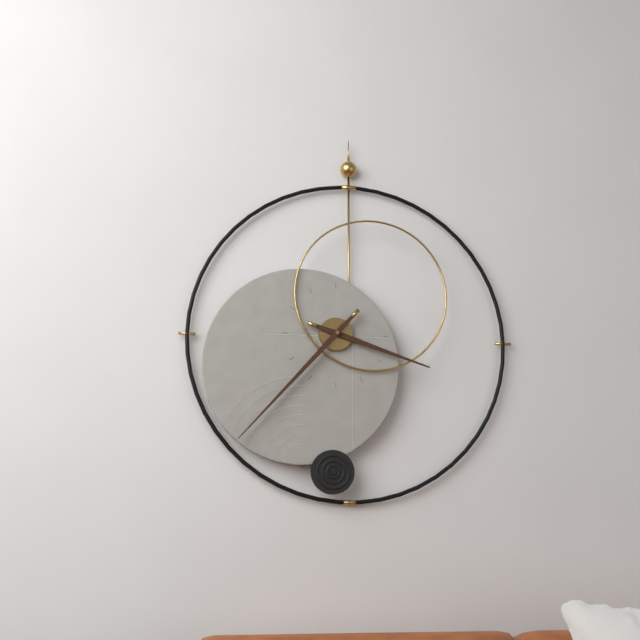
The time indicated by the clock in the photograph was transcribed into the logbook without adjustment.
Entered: 3:37
